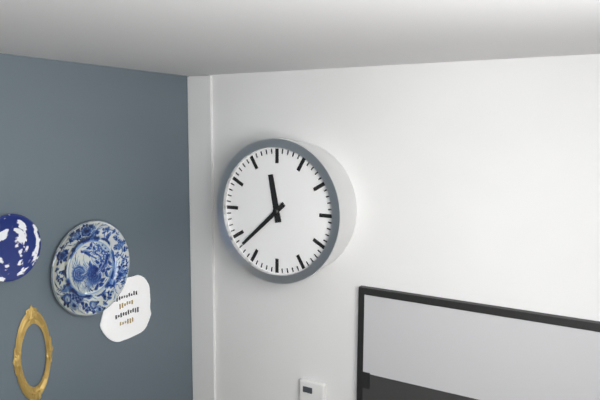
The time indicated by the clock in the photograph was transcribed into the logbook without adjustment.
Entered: 11:38
